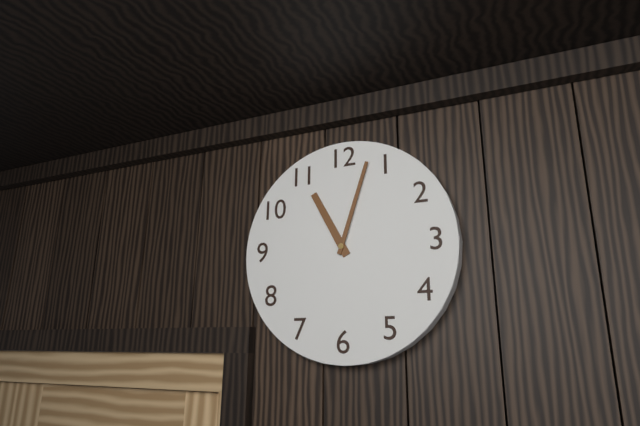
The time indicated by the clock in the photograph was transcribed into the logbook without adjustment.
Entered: 11:03
